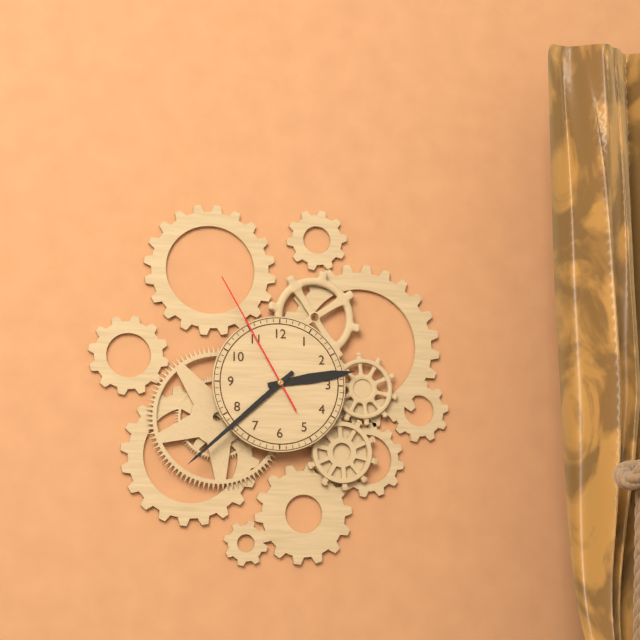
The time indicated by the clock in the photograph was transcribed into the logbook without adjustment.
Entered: 2:38:55
